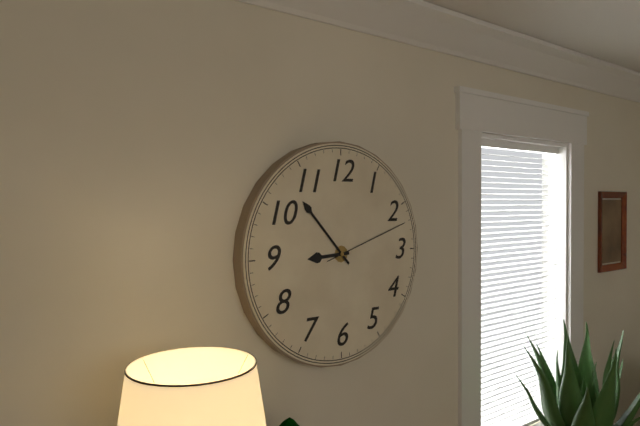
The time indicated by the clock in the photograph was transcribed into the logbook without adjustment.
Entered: 8:53:12
